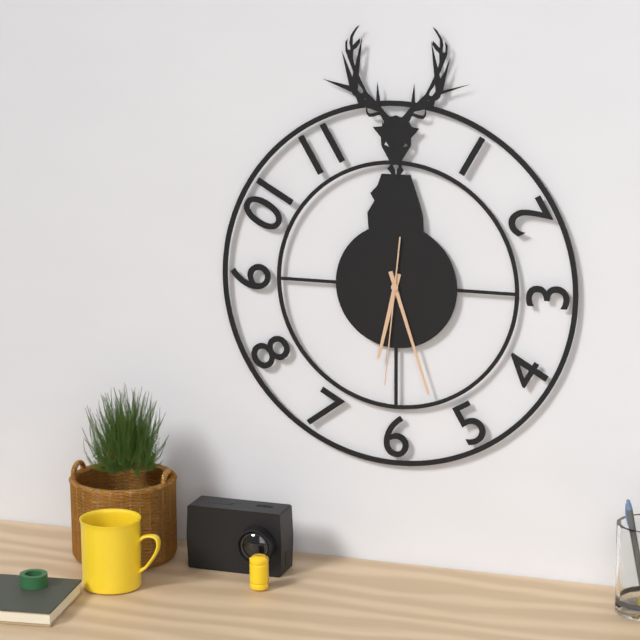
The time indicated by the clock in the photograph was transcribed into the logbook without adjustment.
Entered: 6:27:31
